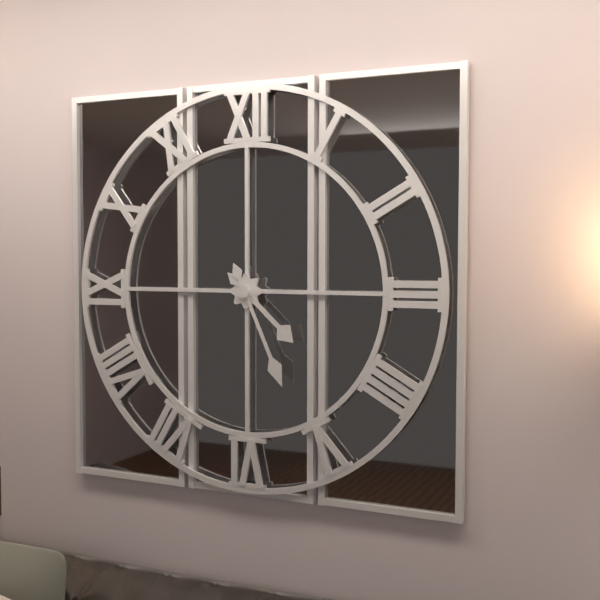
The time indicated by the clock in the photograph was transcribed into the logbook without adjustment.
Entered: 4:26
